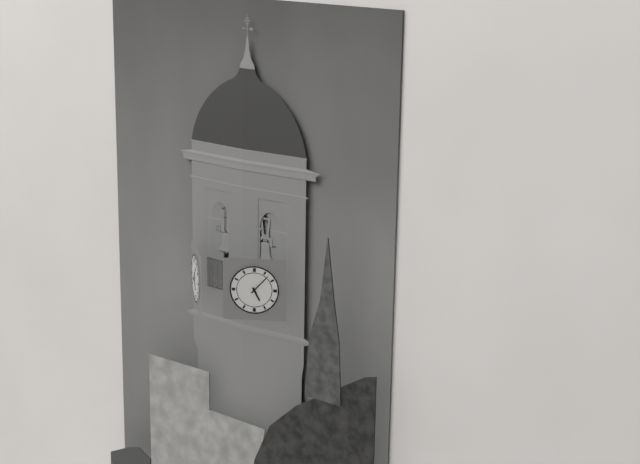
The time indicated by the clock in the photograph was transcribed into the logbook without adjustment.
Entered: 5:07
